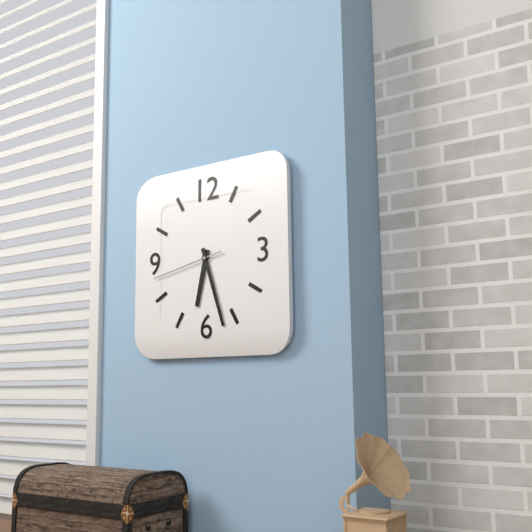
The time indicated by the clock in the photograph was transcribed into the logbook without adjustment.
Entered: 6:27:43
